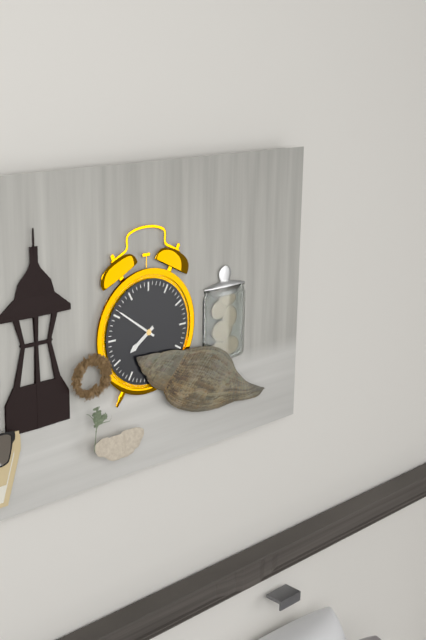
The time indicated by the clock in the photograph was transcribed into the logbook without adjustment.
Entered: 7:51
